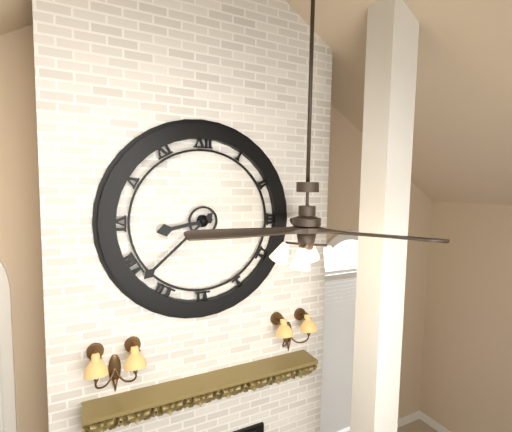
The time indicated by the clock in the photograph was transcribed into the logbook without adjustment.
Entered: 8:38
